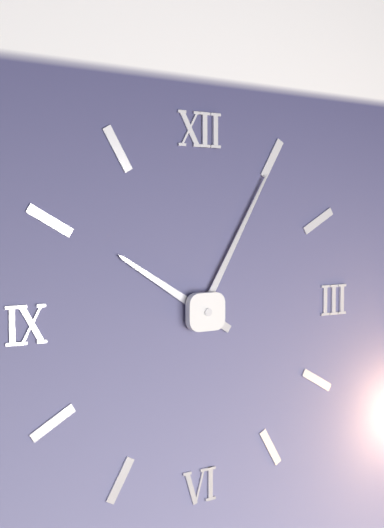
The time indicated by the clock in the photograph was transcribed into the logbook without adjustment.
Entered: 10:05
